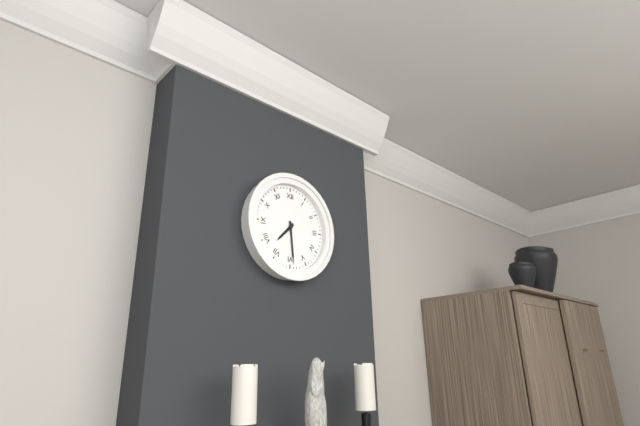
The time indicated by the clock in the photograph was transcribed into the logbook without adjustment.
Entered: 7:29
